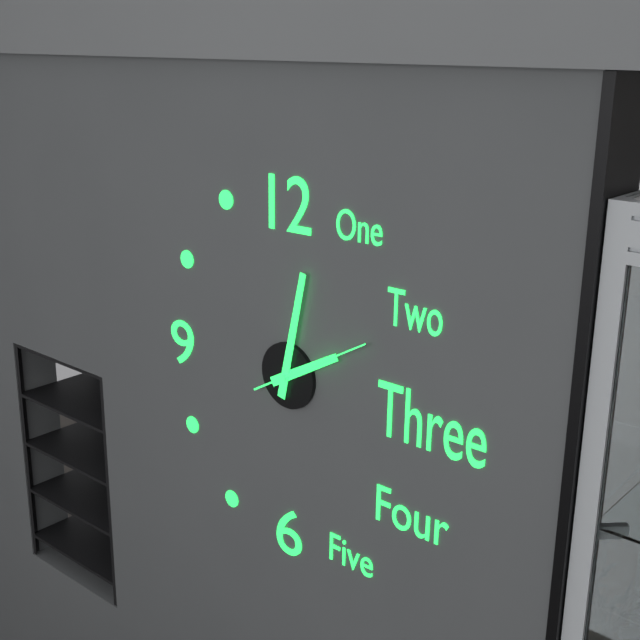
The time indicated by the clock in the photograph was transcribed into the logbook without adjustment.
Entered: 2:02:10
